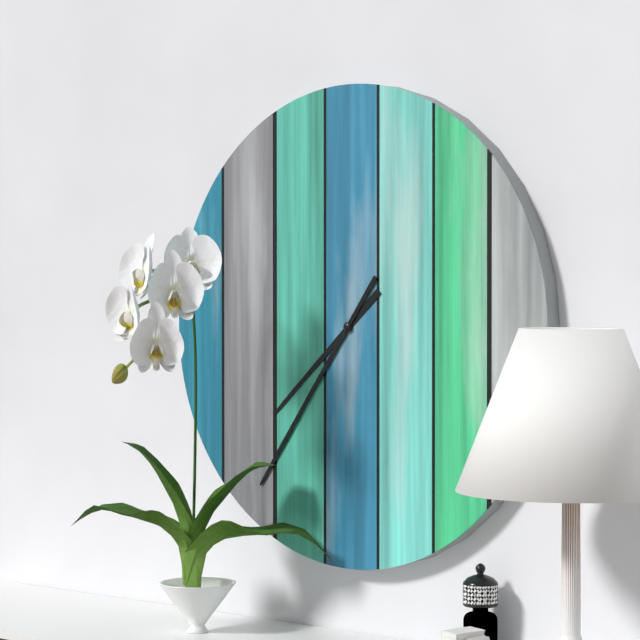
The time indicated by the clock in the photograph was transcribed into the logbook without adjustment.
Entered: 7:36
